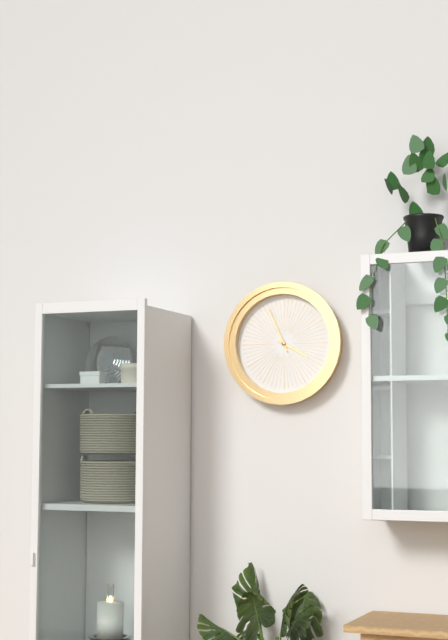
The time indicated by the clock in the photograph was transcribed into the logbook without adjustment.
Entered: 3:56
